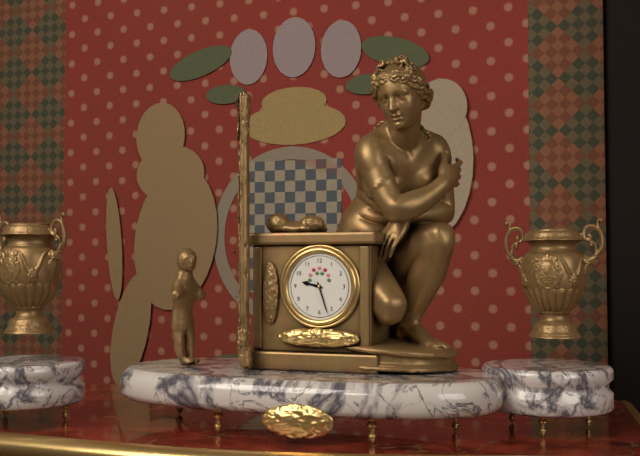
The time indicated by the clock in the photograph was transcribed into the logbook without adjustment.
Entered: 9:27
